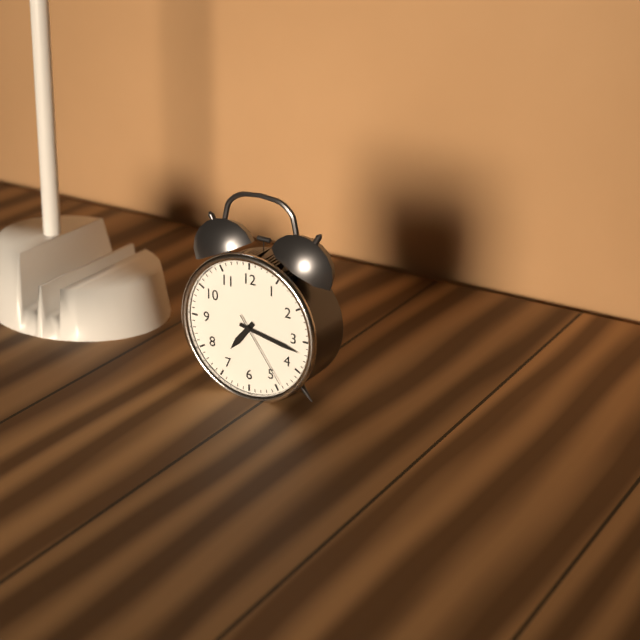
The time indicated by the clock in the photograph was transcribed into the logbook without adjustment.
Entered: 7:17:24
